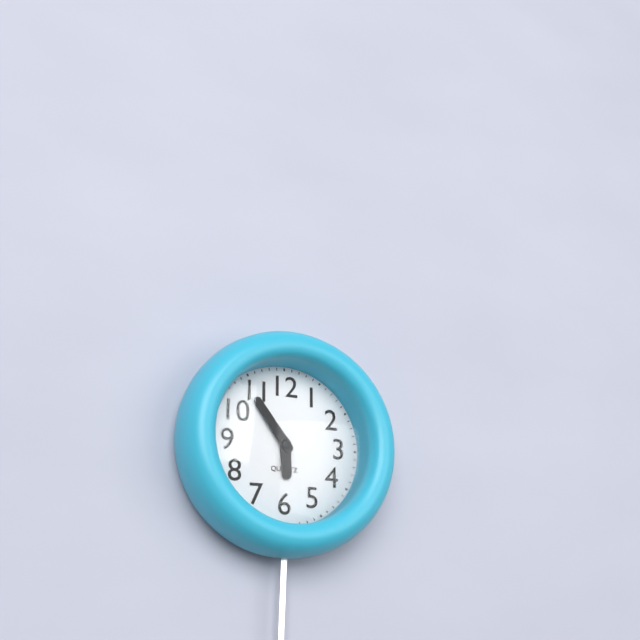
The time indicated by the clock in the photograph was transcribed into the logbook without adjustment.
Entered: 5:54
